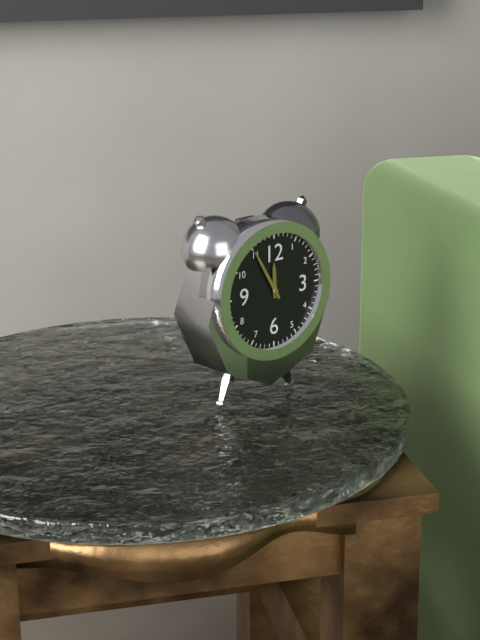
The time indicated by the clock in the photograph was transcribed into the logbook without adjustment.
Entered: 11:55
